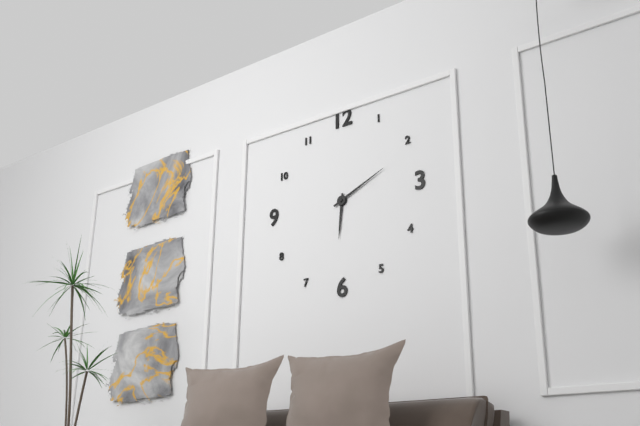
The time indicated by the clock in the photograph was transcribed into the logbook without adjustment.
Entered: 6:11
